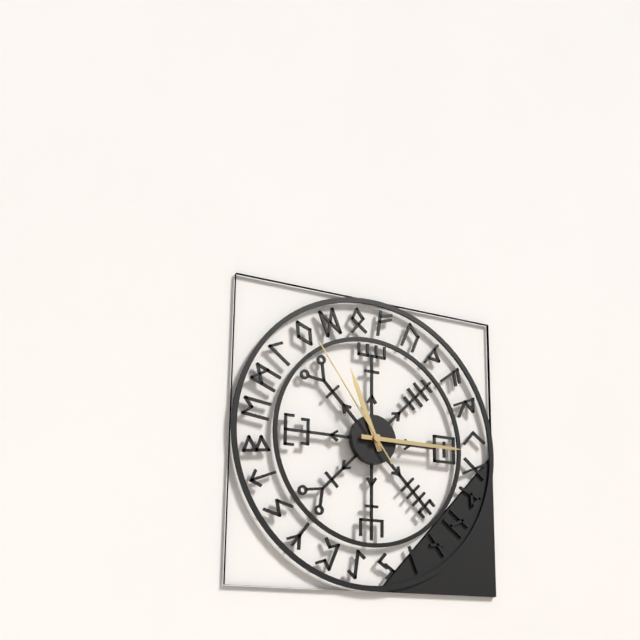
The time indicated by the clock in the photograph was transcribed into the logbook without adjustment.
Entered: 11:15:54
